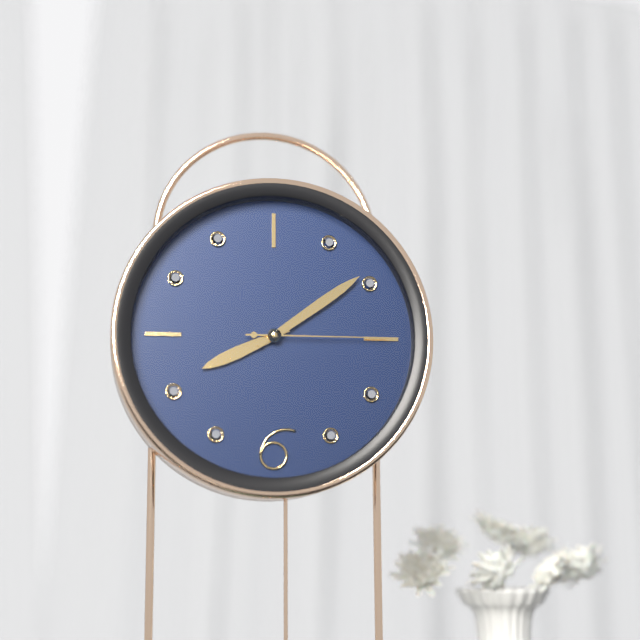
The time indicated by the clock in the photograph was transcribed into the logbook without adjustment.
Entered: 8:09:15
